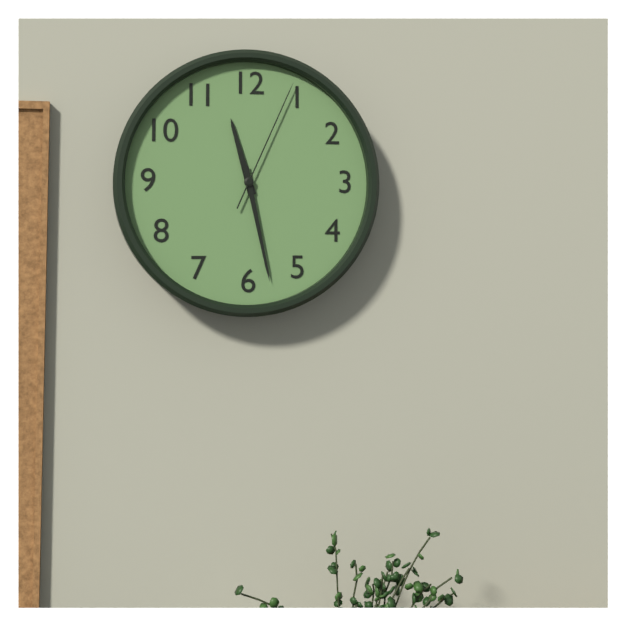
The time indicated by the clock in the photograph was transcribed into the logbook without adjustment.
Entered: 11:28:04
